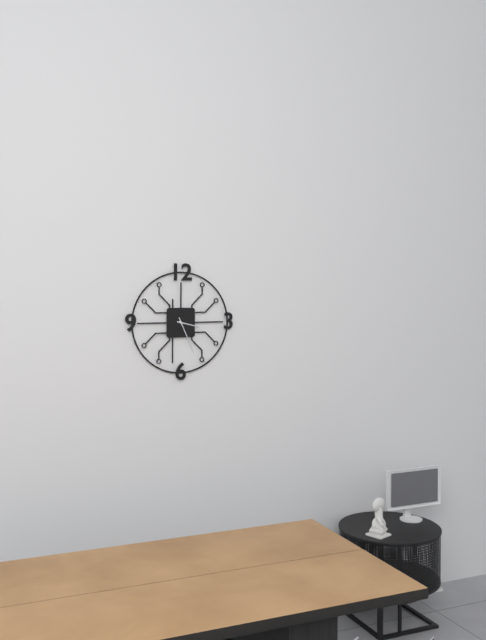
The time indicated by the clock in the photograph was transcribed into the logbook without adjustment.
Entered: 3:26
